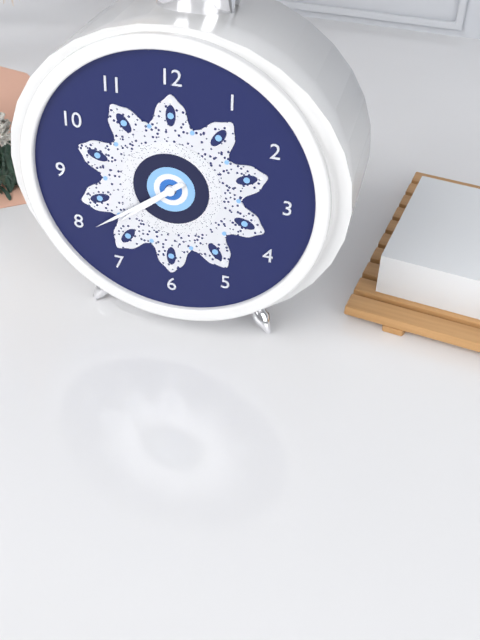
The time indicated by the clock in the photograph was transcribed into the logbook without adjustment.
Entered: 7:39
